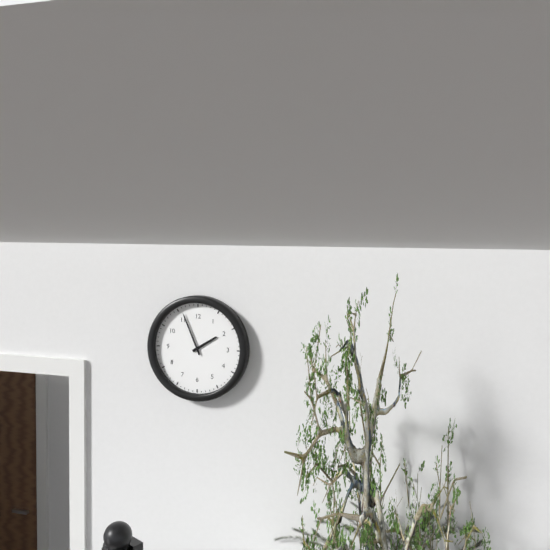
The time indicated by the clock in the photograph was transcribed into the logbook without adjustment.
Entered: 1:56
